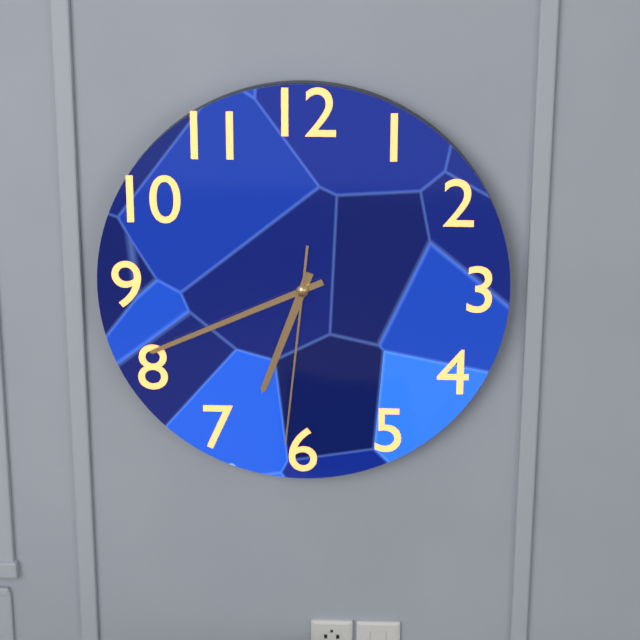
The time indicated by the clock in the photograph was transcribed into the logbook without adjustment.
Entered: 6:41:31
